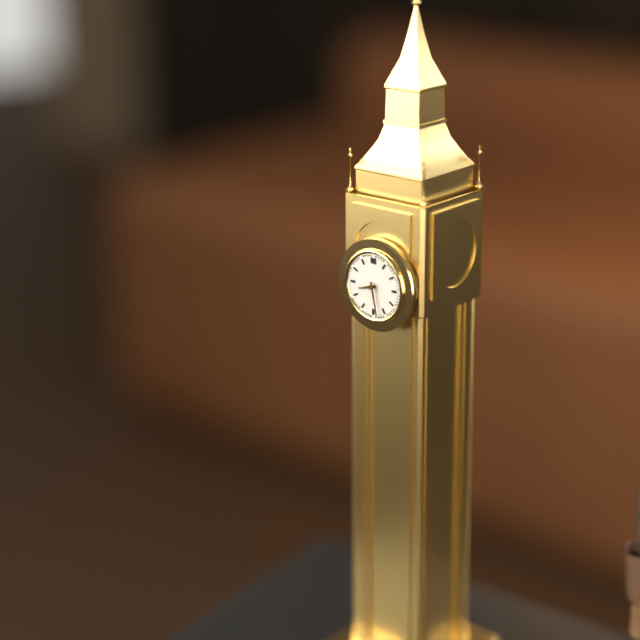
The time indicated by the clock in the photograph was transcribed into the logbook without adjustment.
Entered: 8:28
